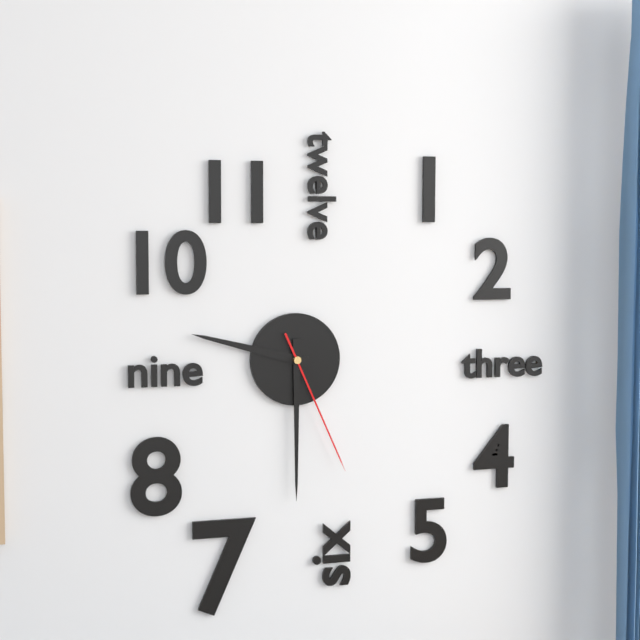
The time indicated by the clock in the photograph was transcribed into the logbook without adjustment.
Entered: 9:30:26
